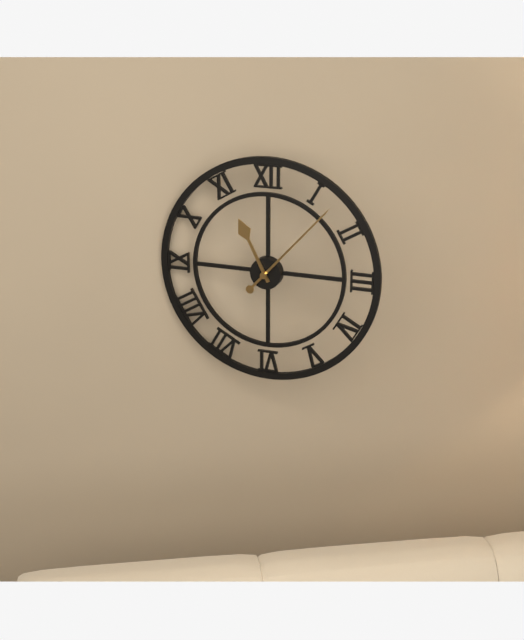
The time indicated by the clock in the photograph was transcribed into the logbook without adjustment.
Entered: 11:07
